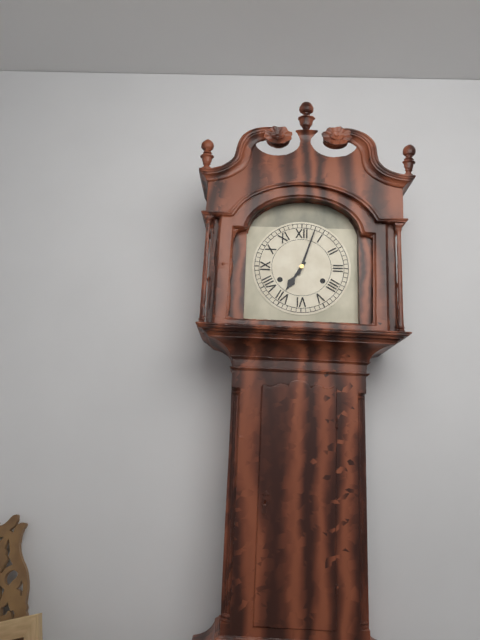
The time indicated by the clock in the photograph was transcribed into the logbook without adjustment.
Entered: 7:03
